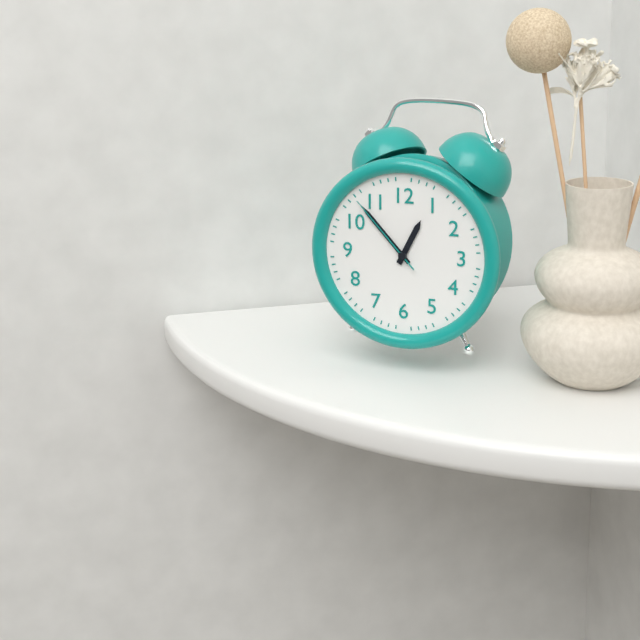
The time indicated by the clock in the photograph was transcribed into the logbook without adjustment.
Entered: 12:53:53
